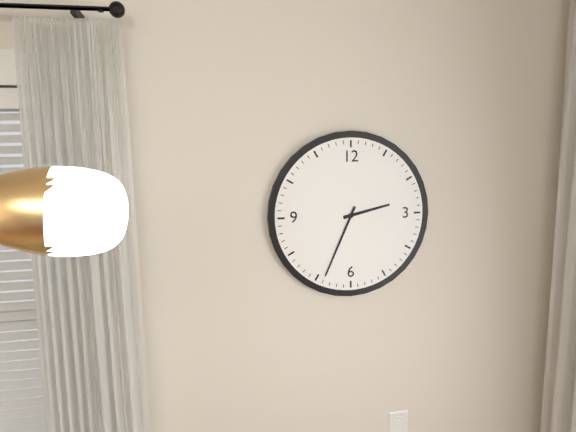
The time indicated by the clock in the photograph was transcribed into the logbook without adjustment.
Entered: 2:34
